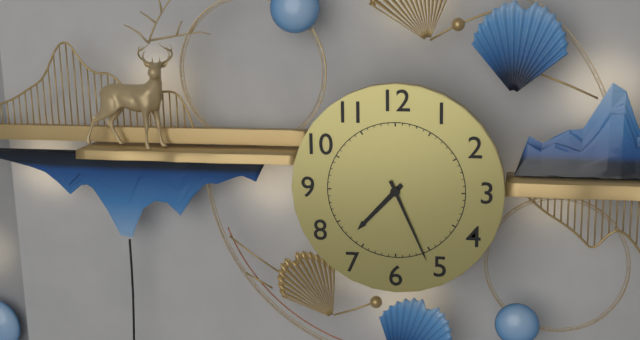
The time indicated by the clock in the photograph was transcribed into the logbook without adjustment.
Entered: 7:26
